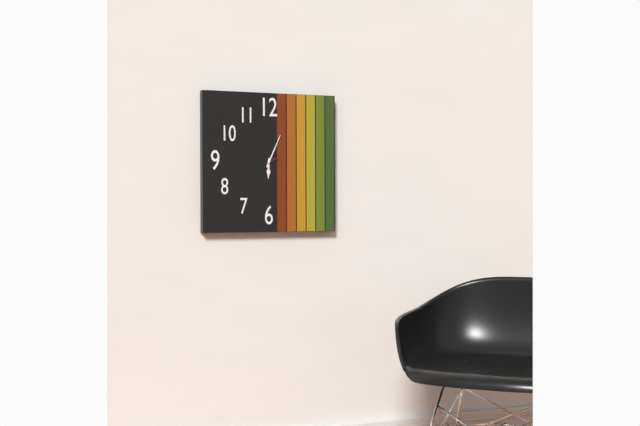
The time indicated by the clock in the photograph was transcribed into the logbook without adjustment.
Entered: 6:04
